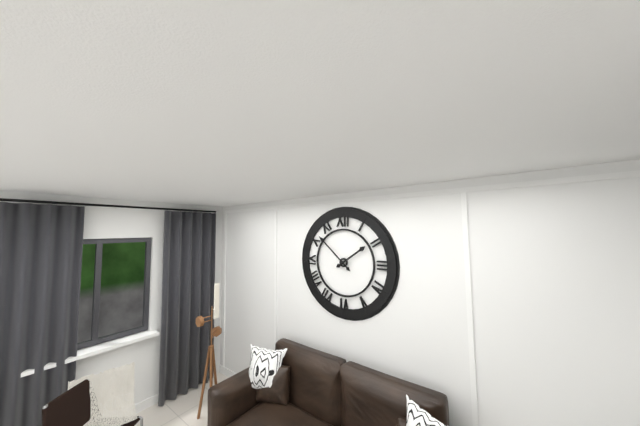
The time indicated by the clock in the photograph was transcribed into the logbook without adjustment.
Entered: 1:52
